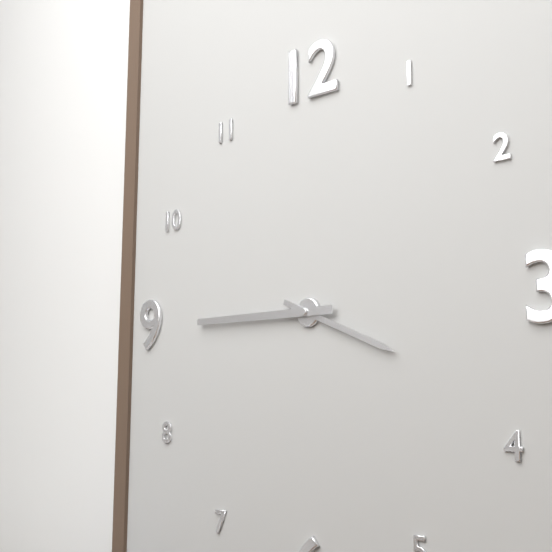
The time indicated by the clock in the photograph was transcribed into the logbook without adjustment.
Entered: 3:45
